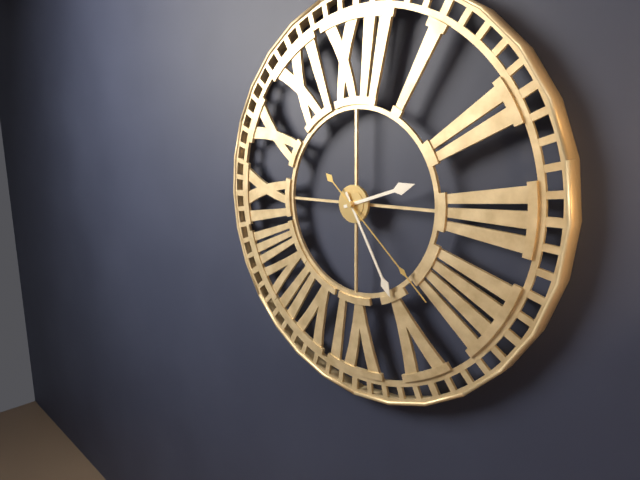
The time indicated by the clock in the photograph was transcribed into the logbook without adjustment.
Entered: 2:25:22
